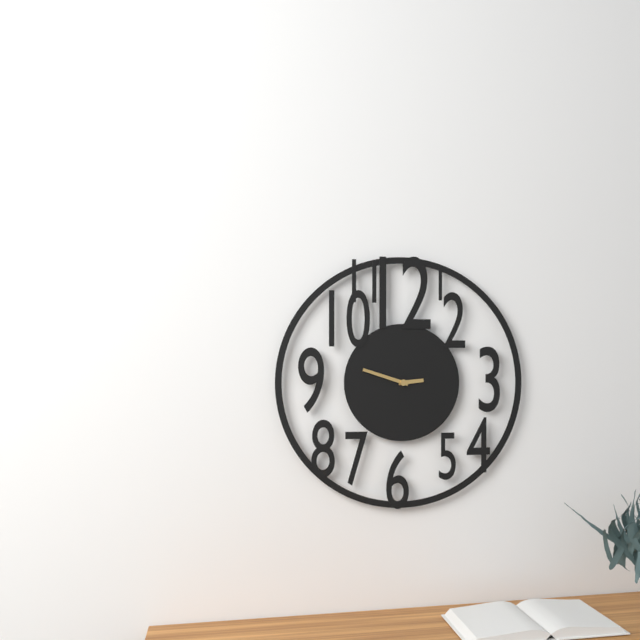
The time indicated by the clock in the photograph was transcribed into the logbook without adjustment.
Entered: 2:48
